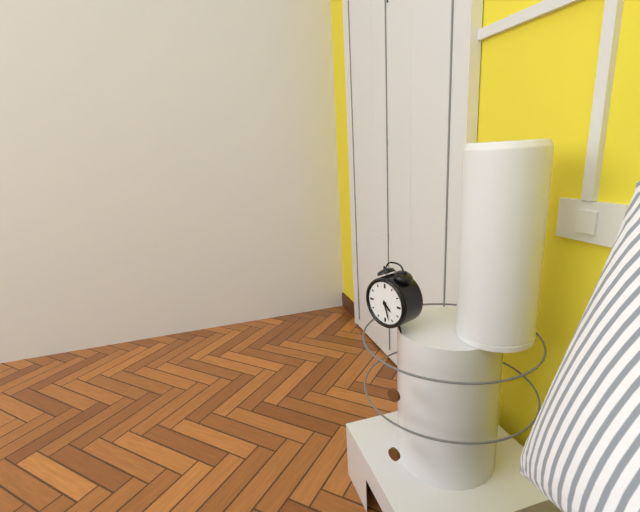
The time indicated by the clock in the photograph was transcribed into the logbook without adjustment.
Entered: 4:27
